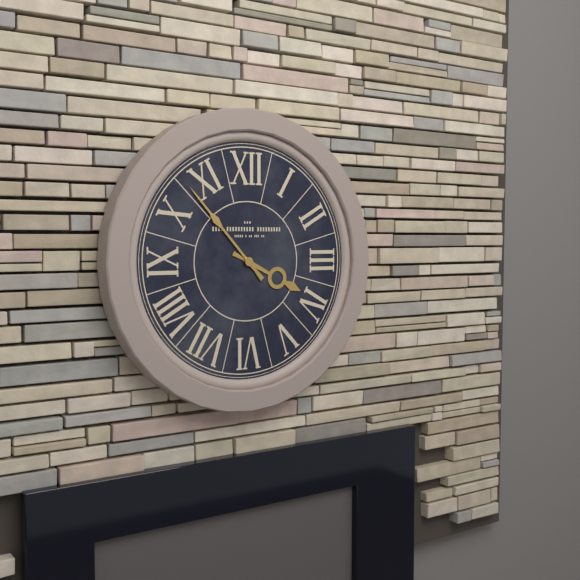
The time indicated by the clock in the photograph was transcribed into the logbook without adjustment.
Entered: 3:53
